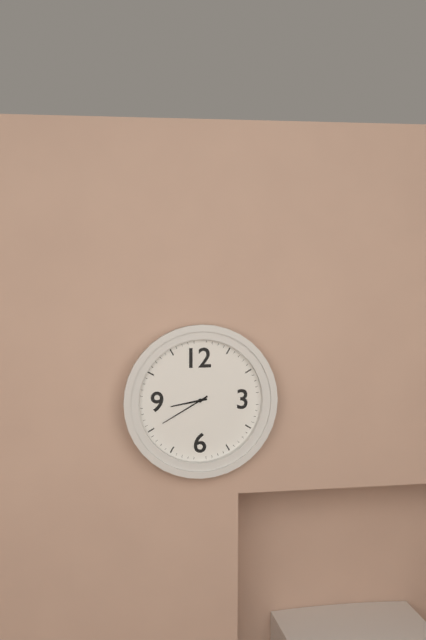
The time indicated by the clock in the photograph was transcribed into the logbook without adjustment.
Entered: 8:40
